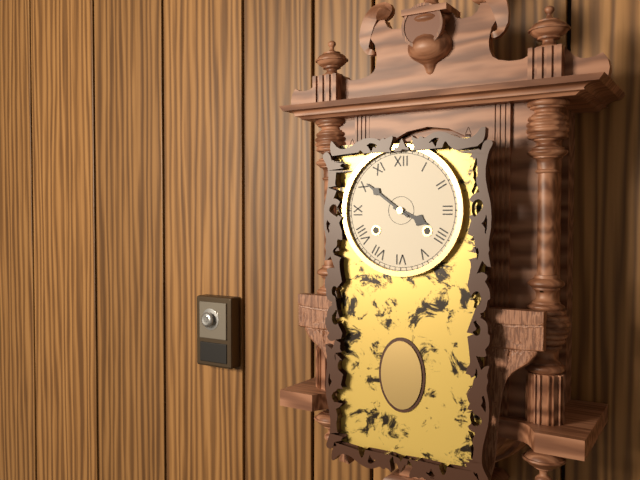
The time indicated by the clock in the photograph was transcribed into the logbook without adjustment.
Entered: 3:51
